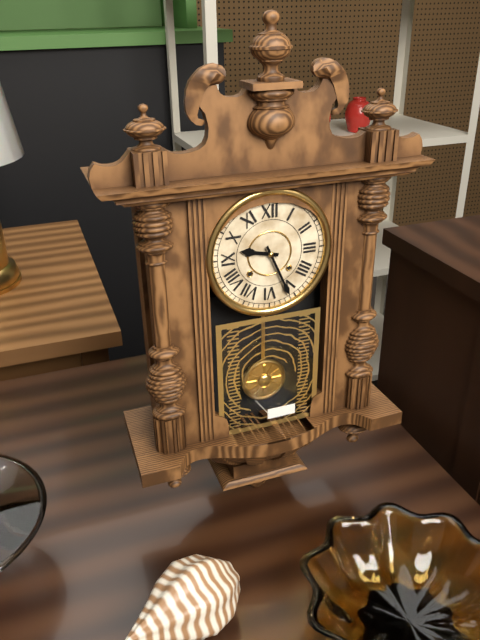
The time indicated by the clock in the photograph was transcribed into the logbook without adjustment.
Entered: 9:26
